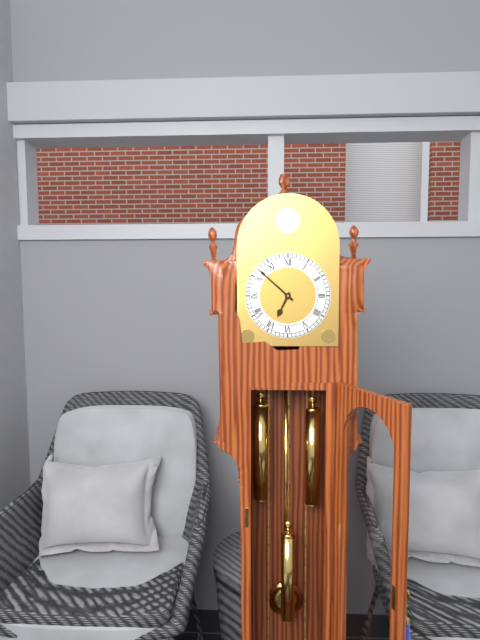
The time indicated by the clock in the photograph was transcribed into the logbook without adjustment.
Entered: 6:52
